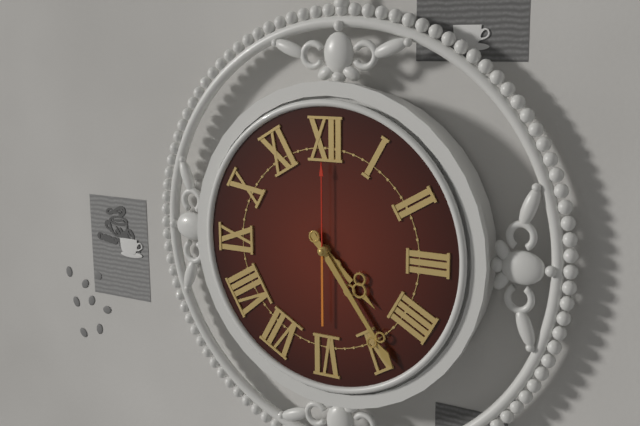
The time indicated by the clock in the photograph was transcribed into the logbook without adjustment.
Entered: 4:24:00
